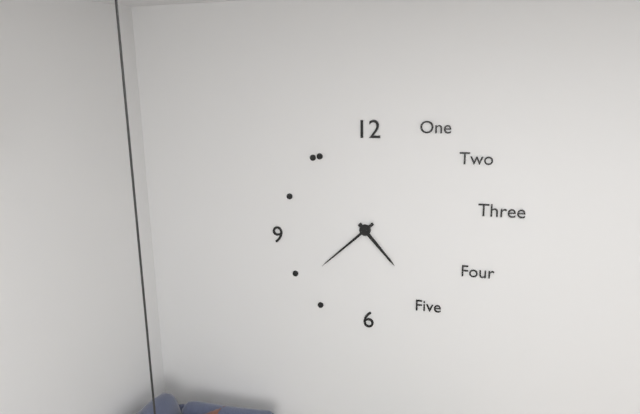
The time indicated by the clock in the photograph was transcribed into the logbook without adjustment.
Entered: 4:38
